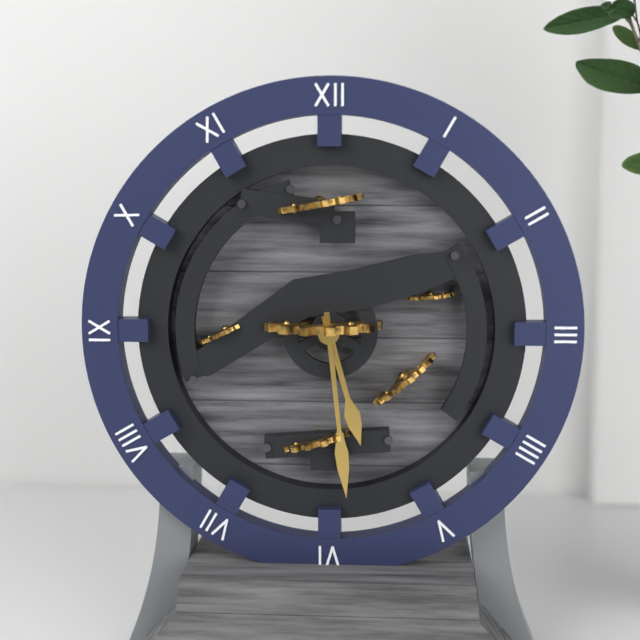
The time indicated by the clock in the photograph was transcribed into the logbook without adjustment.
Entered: 5:29
